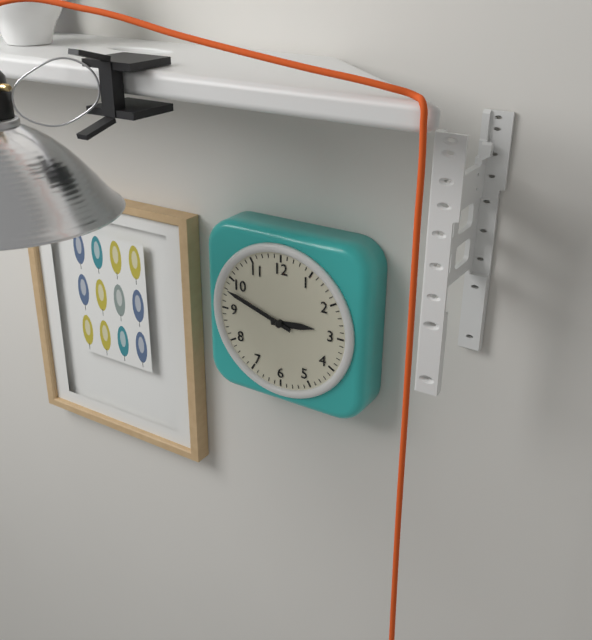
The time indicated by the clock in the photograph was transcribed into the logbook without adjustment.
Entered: 2:48
